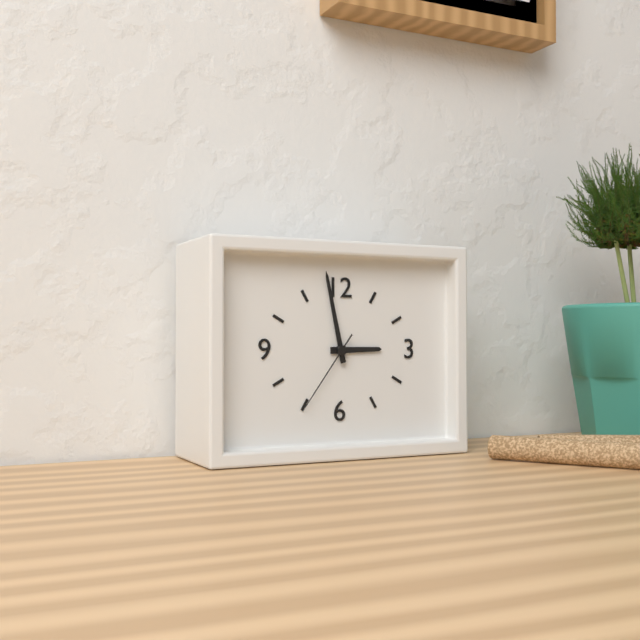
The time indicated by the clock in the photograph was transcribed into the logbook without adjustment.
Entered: 2:58:36
